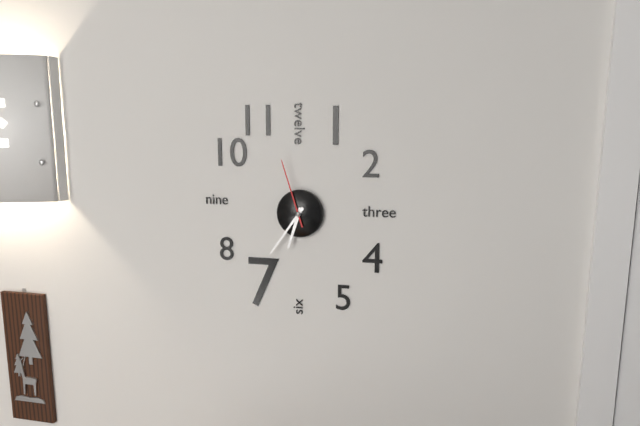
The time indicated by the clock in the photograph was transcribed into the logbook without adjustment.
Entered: 6:36:57
